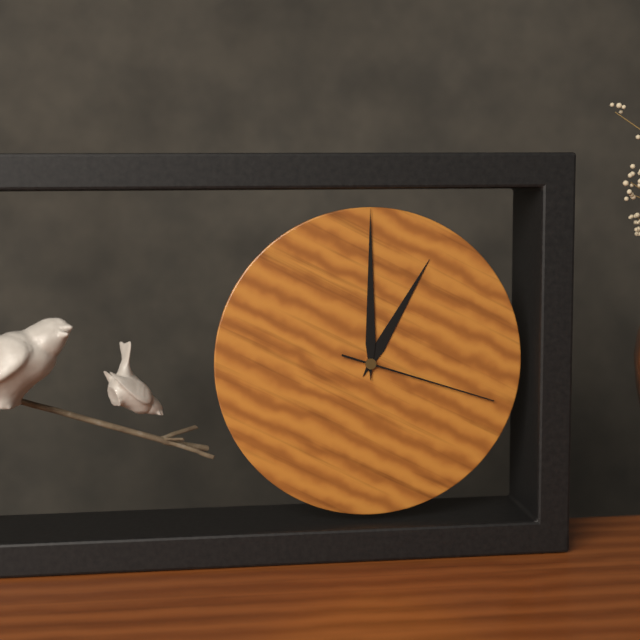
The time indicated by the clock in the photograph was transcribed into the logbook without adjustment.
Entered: 1:00:18
